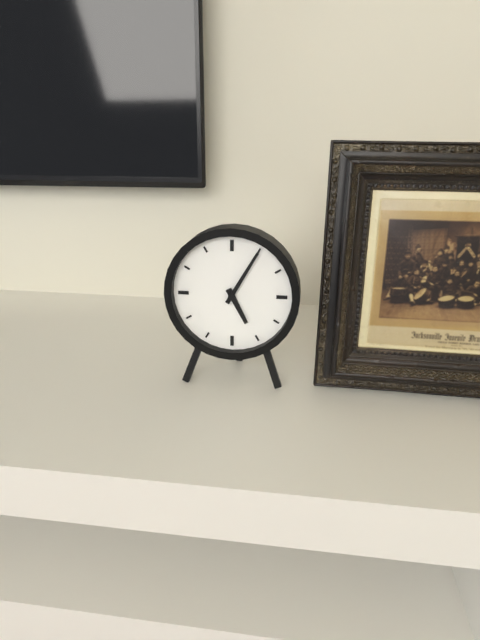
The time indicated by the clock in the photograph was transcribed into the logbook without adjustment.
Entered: 5:05
